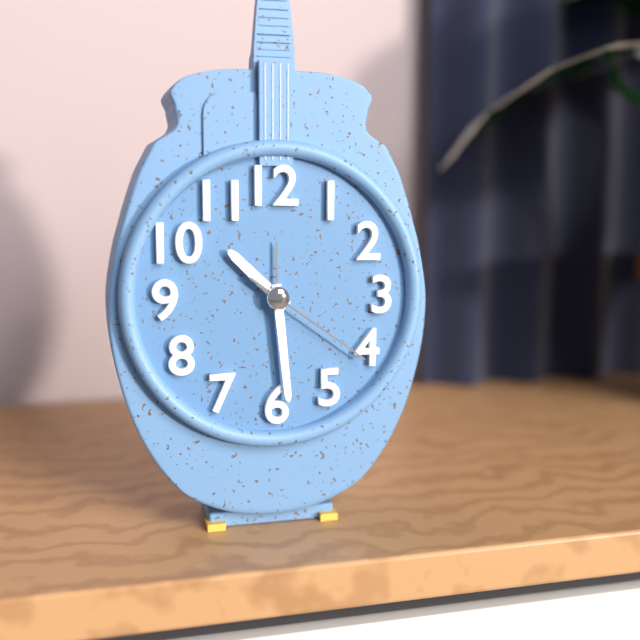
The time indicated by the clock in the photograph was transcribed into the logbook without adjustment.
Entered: 10:29:21
